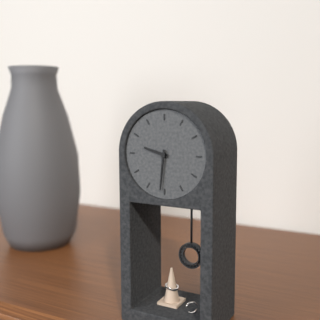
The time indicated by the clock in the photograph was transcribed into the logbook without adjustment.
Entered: 9:31
